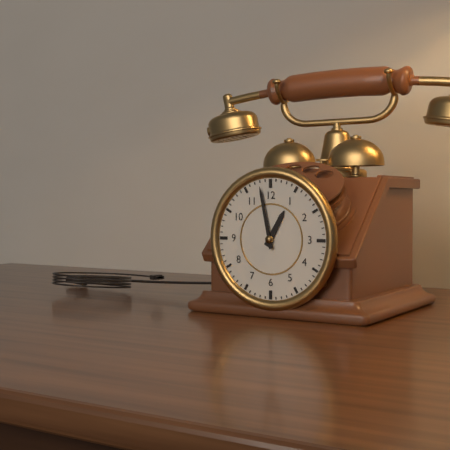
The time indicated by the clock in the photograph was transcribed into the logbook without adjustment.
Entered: 12:58
